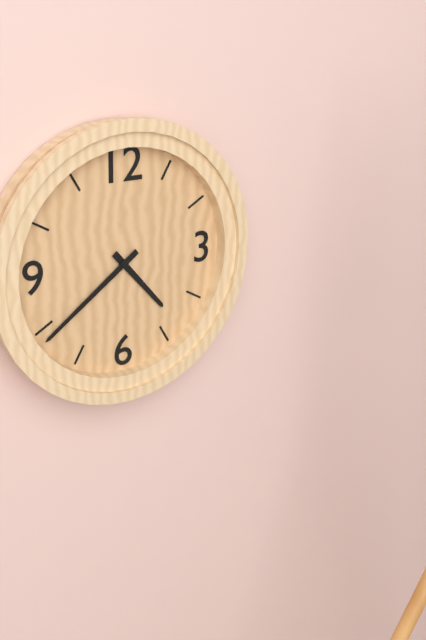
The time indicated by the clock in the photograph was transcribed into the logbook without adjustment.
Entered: 4:39
